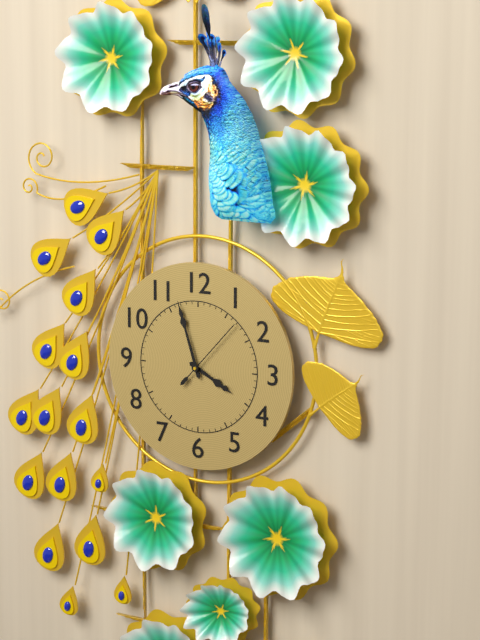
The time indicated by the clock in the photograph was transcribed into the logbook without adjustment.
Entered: 3:57:07
